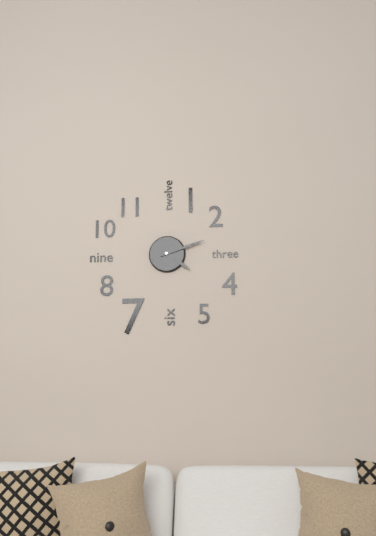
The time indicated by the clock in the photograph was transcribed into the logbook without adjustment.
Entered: 4:12
